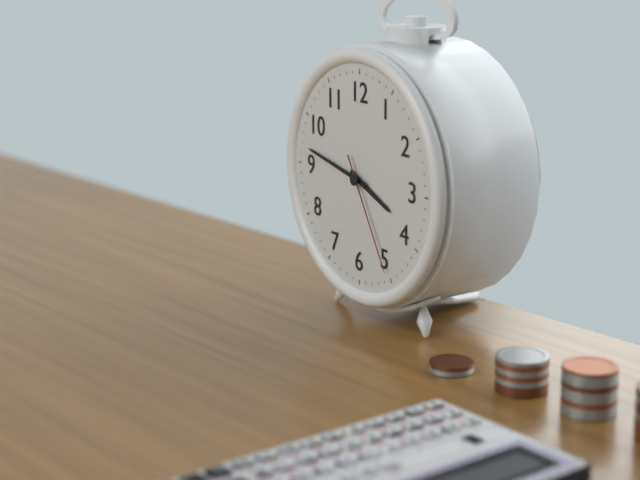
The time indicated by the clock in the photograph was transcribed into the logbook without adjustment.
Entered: 3:47:25
